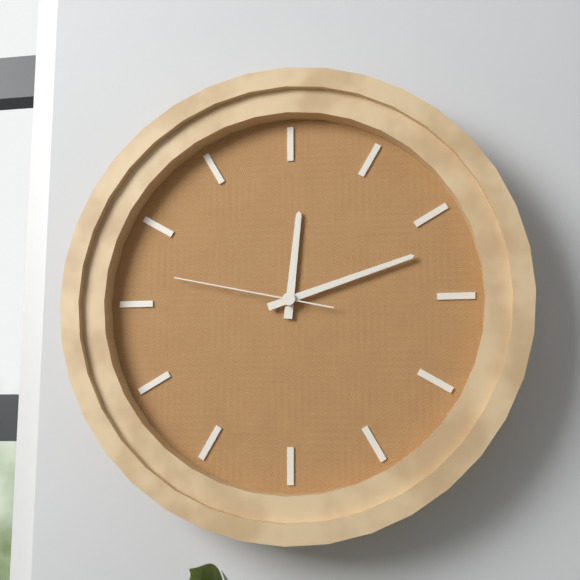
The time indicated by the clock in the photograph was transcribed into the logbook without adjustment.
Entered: 12:12:47
